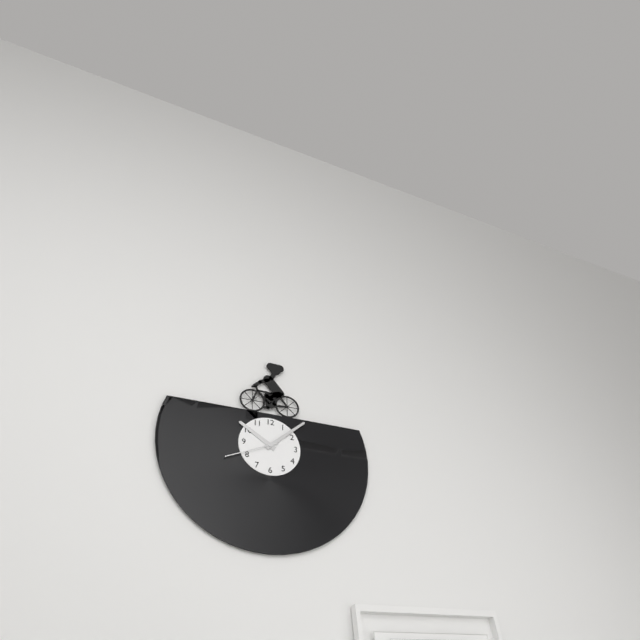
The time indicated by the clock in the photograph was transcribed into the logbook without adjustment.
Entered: 10:08:41
